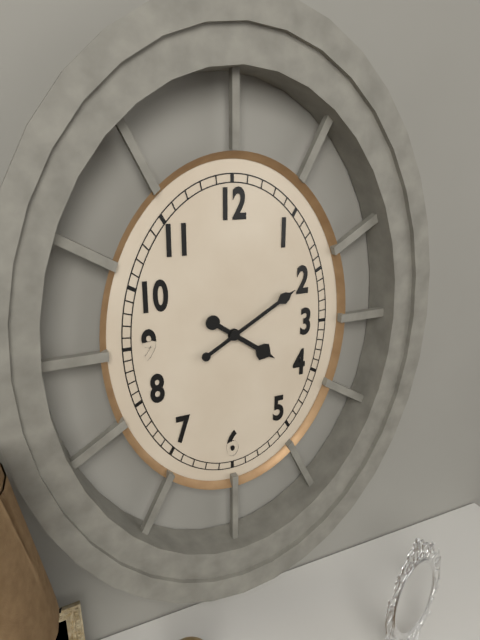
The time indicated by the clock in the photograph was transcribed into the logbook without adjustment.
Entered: 4:10
